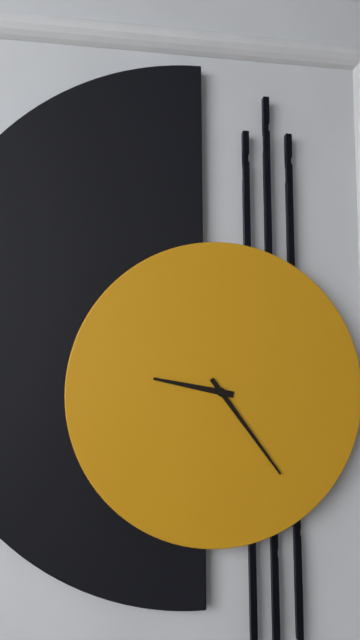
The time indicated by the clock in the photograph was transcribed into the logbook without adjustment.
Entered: 9:24
